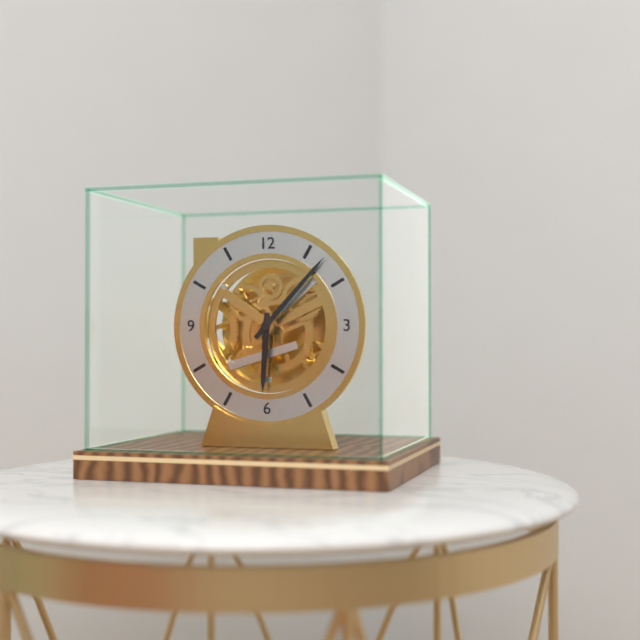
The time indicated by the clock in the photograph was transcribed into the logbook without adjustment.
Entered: 6:07
